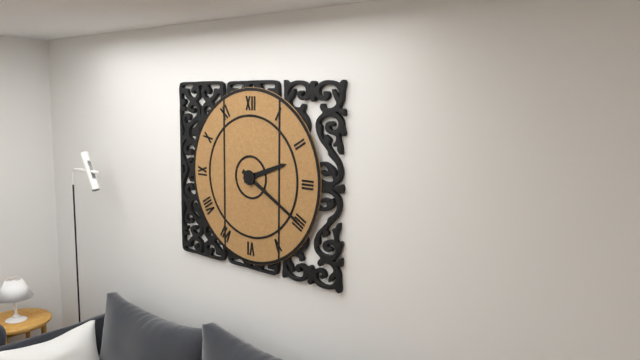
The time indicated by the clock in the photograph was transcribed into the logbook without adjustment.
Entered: 2:20
